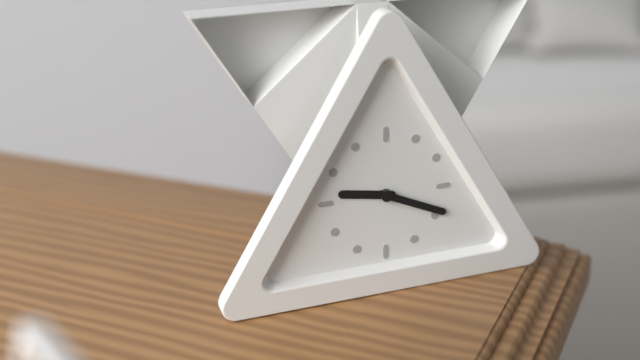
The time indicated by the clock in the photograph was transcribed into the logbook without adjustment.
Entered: 9:19
